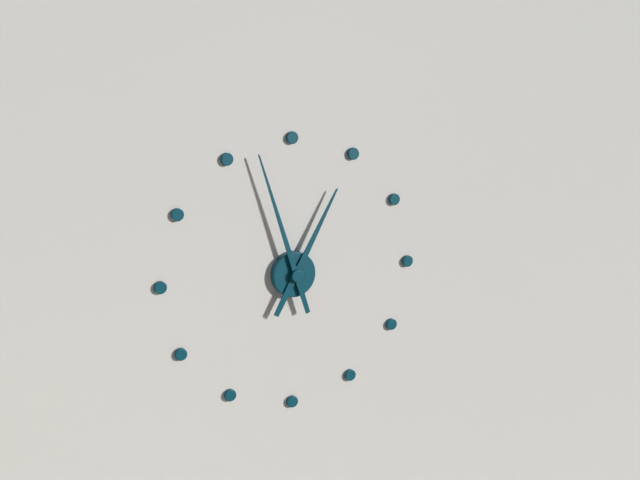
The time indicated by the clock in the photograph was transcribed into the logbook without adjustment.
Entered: 12:57
